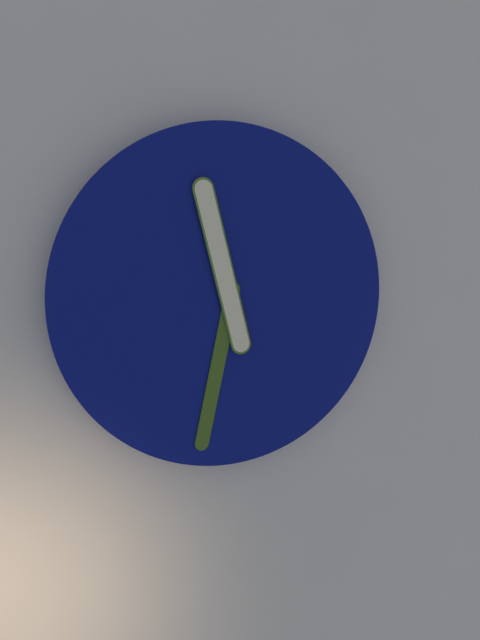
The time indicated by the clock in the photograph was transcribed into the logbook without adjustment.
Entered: 11:32
